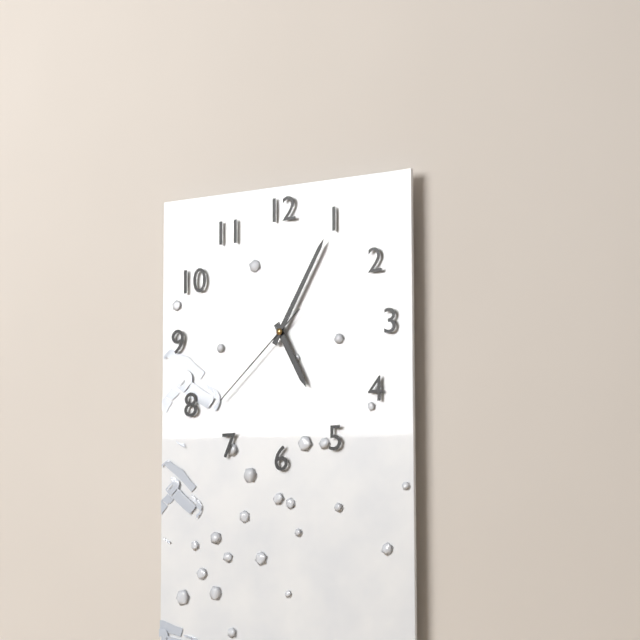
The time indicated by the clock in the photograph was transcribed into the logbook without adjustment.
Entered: 5:05:38
